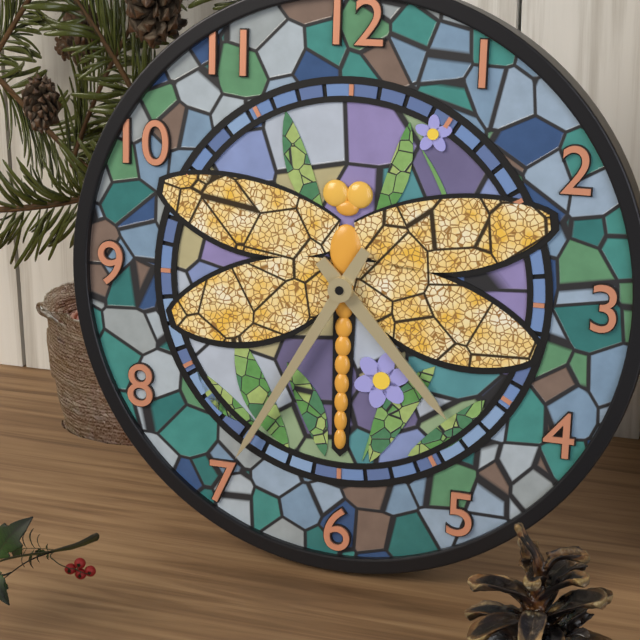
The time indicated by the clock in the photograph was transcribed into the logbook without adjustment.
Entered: 4:35
